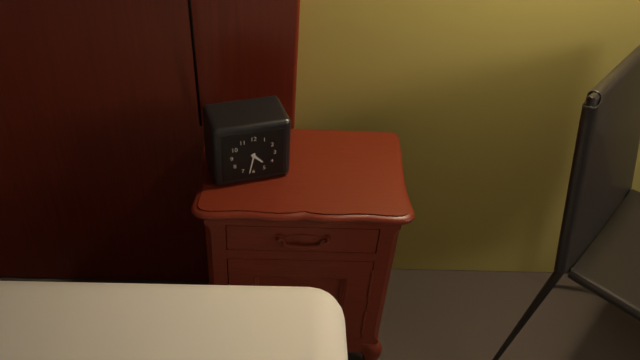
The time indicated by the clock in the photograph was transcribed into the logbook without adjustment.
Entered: 4:32
